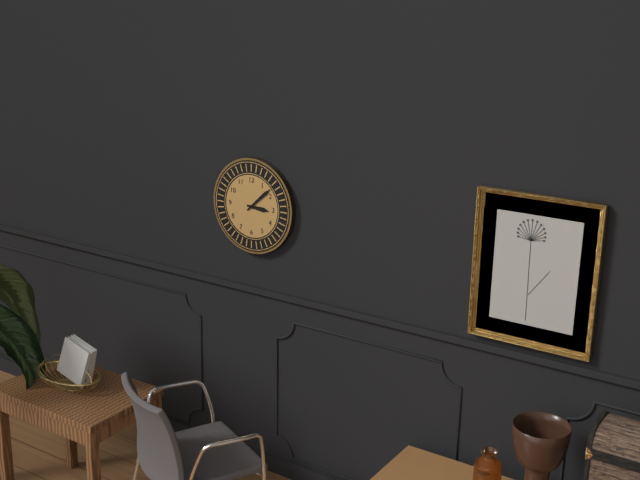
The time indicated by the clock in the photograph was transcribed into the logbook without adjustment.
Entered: 3:08
